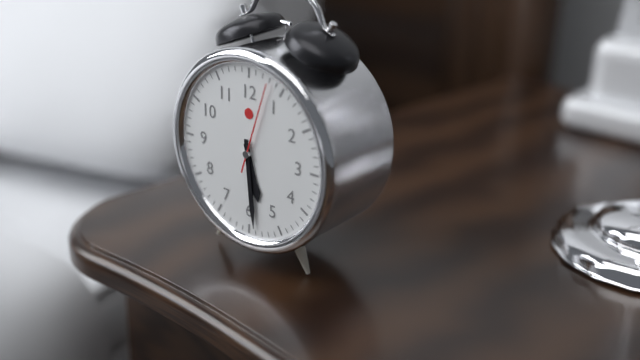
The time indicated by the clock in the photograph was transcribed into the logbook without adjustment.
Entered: 5:29:03
